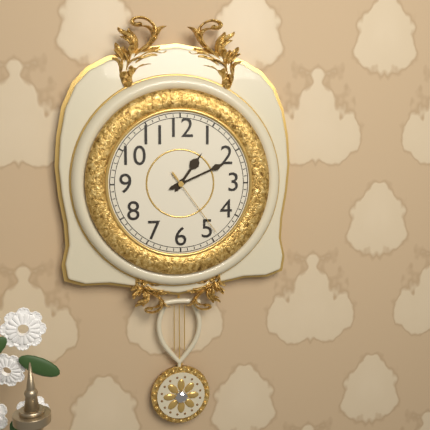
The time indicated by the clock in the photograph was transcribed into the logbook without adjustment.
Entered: 1:11:24
